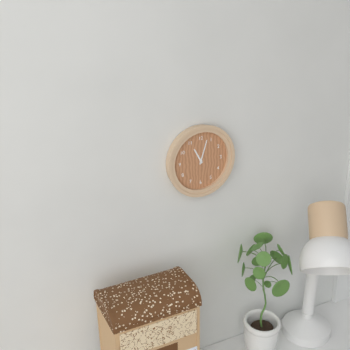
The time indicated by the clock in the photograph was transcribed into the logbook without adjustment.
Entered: 11:03
